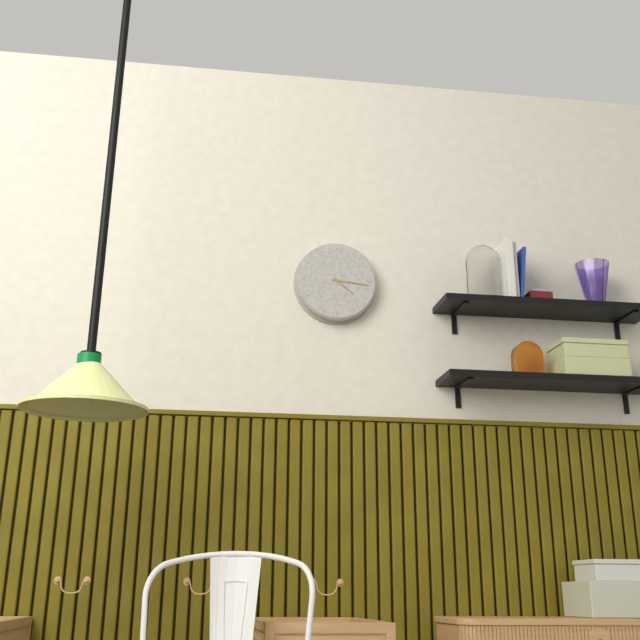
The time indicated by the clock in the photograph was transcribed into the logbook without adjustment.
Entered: 4:16
